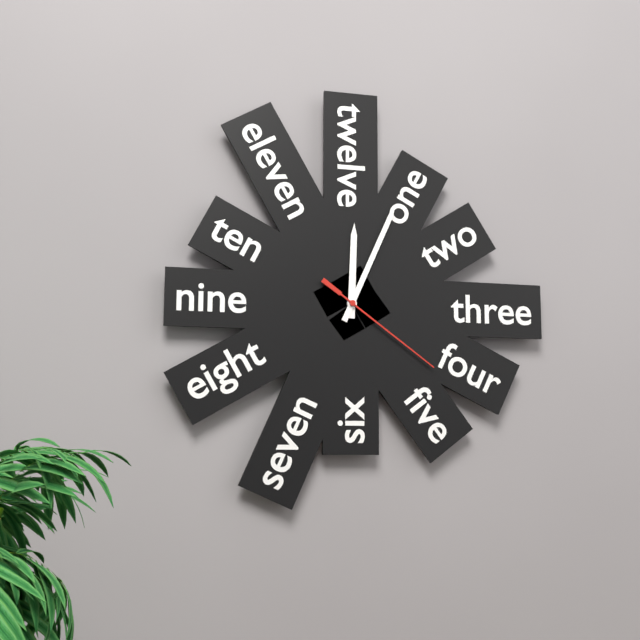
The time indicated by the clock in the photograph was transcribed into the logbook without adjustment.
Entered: 12:04:21
